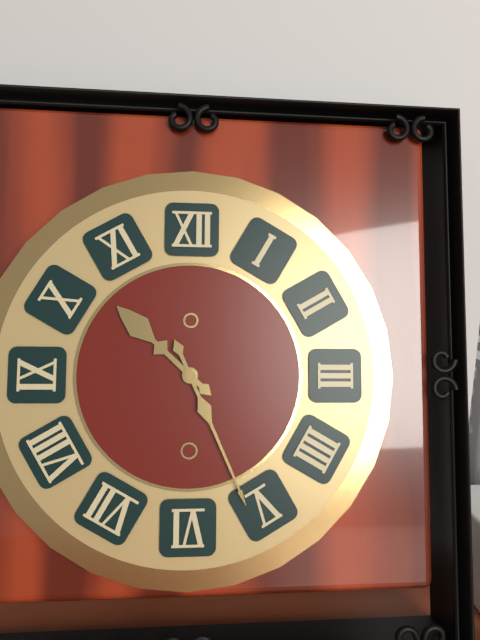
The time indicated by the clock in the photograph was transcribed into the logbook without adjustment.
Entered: 10:26
